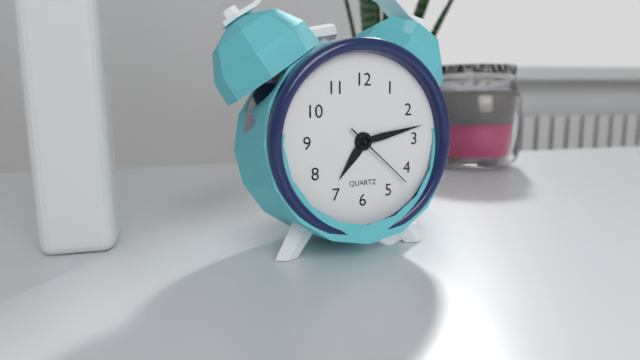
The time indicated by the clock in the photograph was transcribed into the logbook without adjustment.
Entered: 7:13:22
